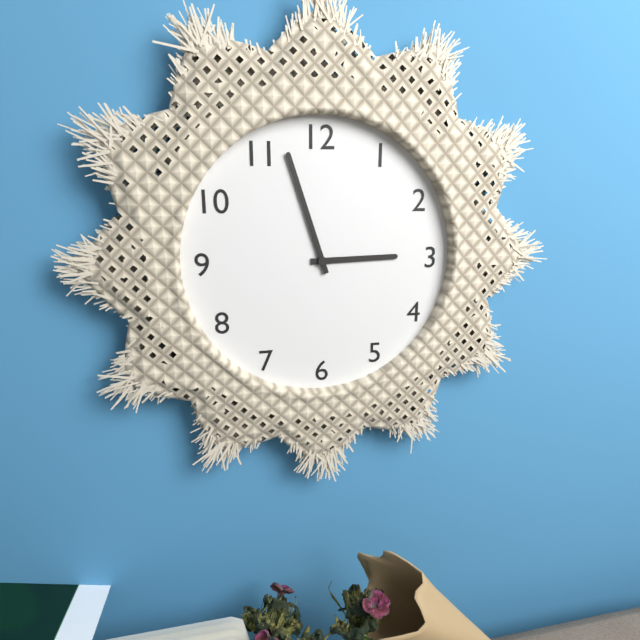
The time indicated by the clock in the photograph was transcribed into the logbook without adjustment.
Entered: 2:57
